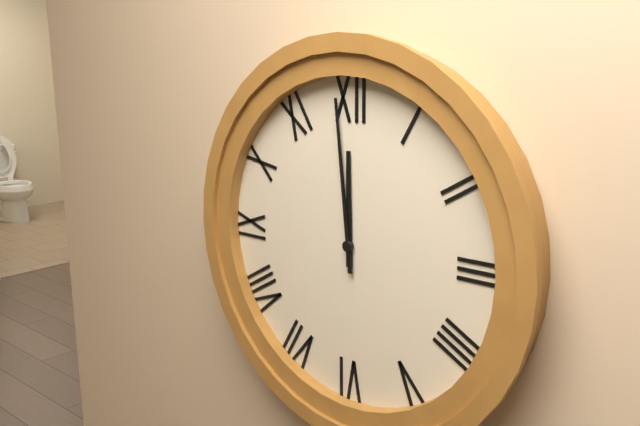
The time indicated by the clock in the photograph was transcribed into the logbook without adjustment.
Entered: 11:59
